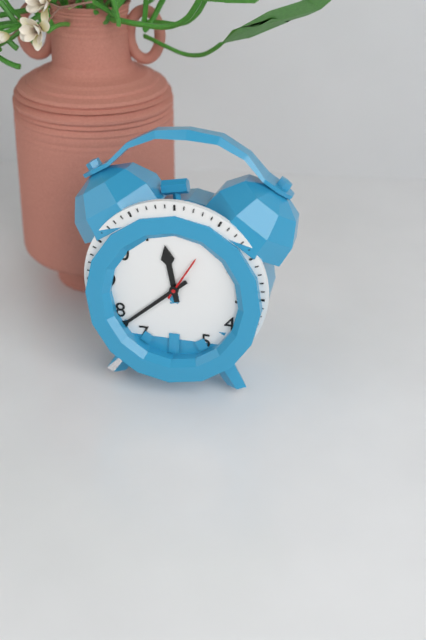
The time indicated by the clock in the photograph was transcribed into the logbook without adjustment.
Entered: 11:38
